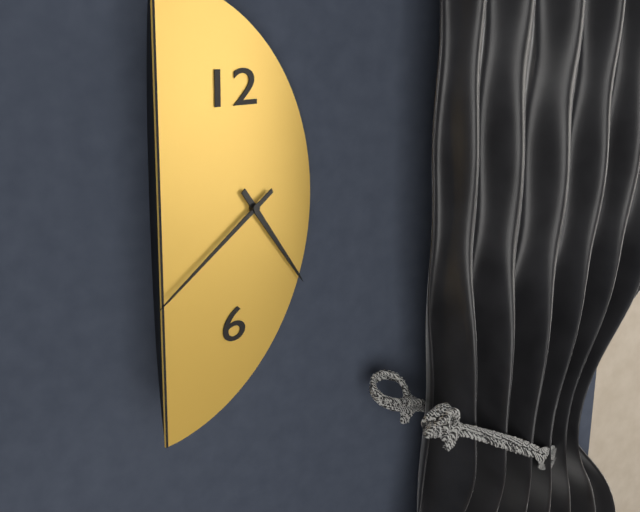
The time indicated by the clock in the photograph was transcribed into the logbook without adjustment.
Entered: 4:40
